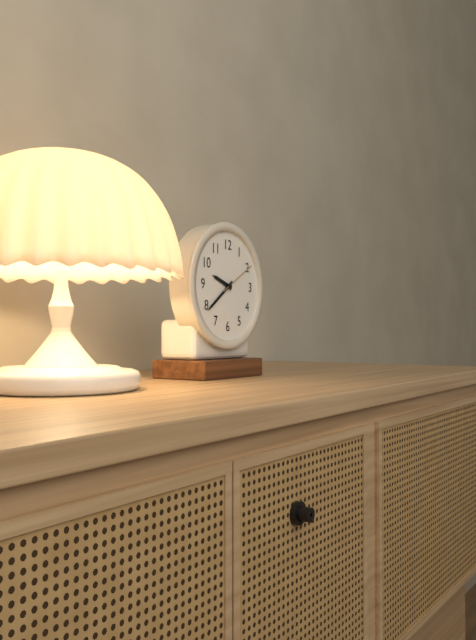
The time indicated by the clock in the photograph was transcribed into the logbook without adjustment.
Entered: 9:39
